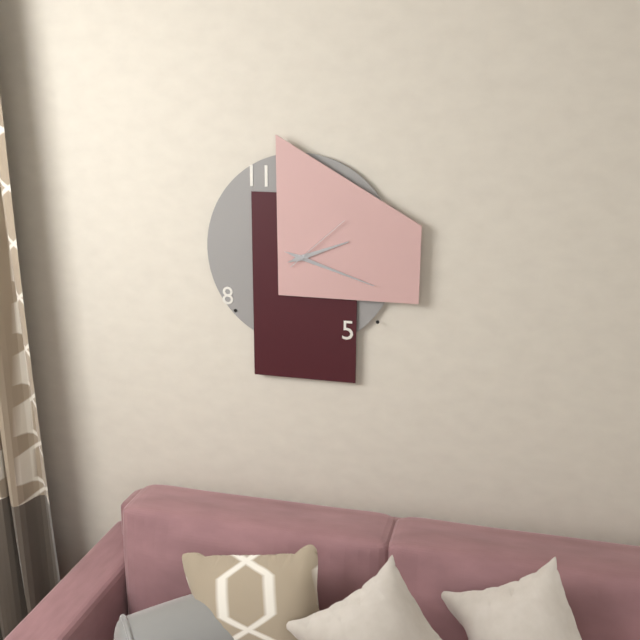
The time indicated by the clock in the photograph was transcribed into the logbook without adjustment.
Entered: 2:18:08
